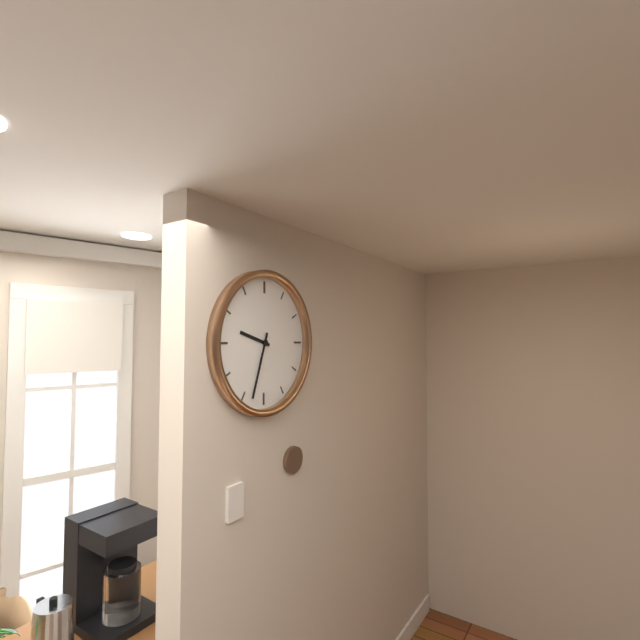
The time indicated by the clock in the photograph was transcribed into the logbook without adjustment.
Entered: 9:33
